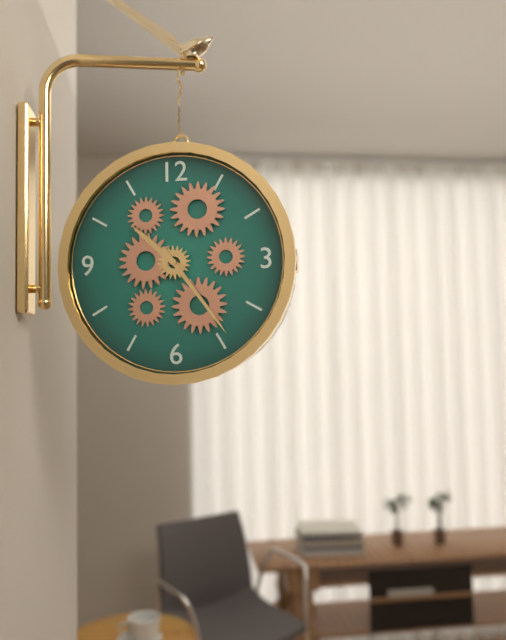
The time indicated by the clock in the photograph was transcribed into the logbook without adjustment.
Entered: 10:24
